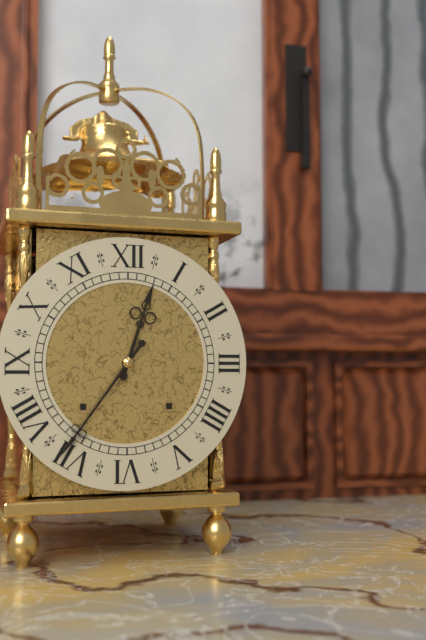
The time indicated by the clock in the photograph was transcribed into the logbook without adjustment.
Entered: 12:36
